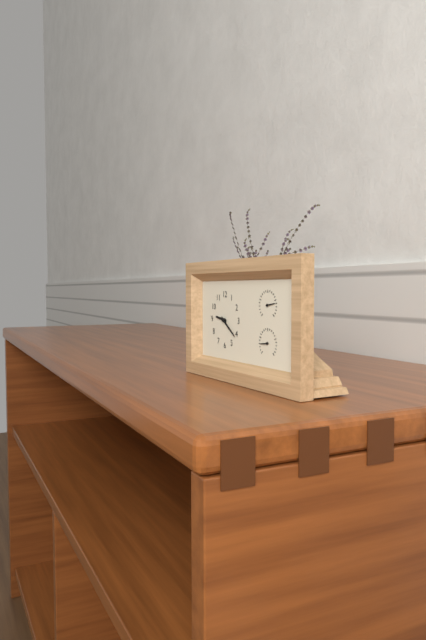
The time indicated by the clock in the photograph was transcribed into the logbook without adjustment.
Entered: 9:21
